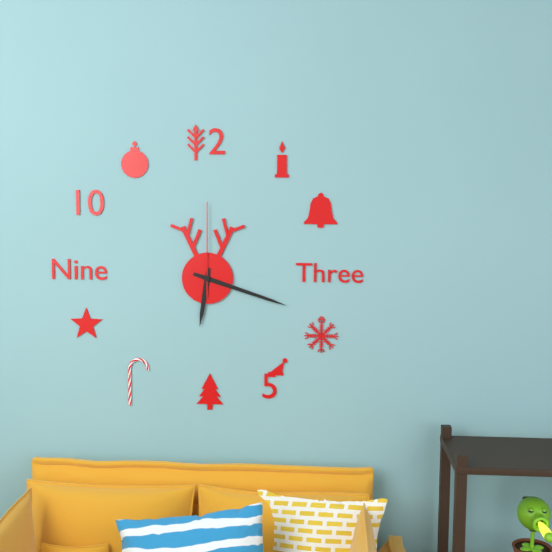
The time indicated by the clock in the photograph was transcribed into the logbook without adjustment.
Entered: 6:18:00
